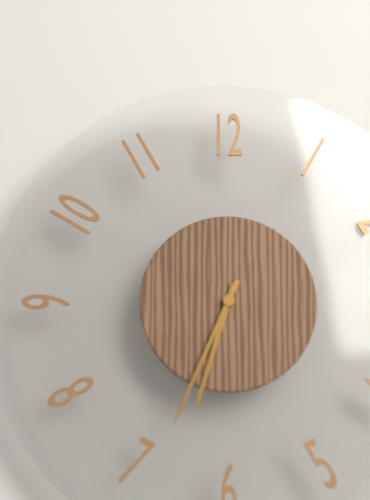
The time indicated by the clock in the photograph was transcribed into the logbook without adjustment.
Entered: 6:34
